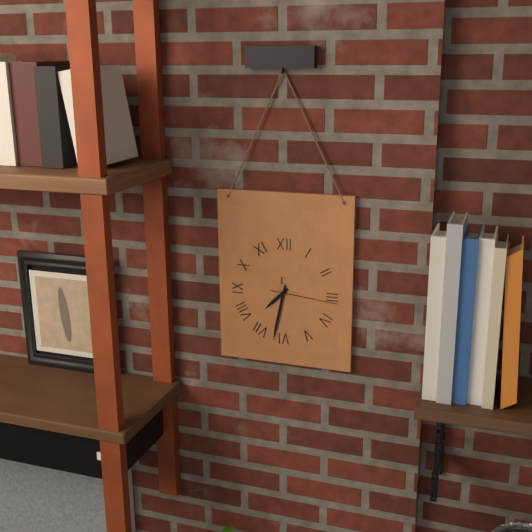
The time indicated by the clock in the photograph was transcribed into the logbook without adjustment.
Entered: 7:32:16
